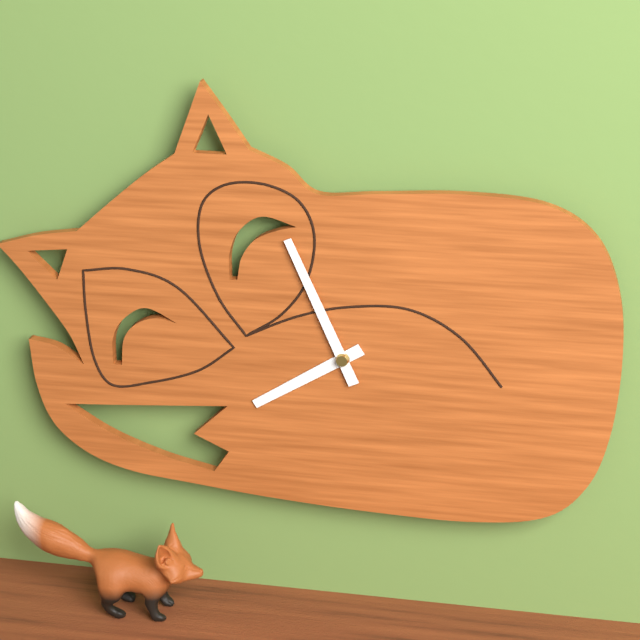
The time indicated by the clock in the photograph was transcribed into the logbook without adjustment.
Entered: 7:56
